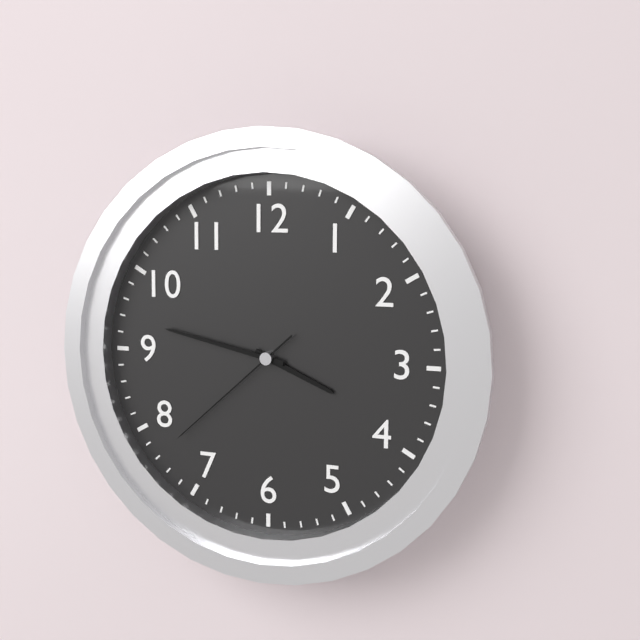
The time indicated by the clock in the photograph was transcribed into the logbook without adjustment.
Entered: 3:47:38
